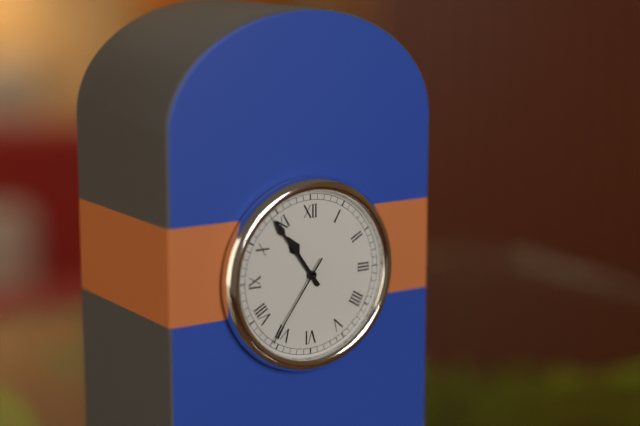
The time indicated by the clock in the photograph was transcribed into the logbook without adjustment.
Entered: 10:54:36
